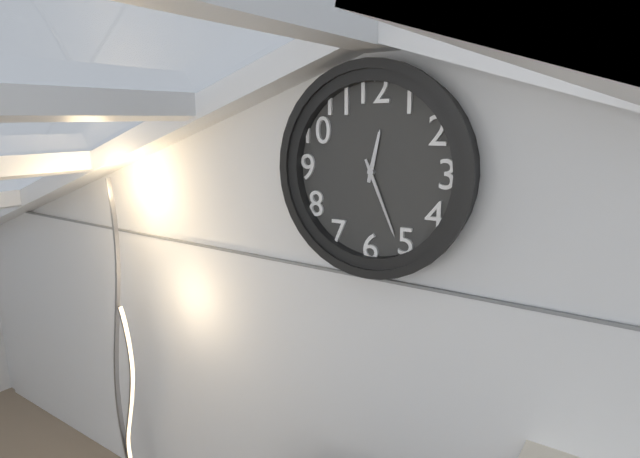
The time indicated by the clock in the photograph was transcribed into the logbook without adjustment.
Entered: 12:26
